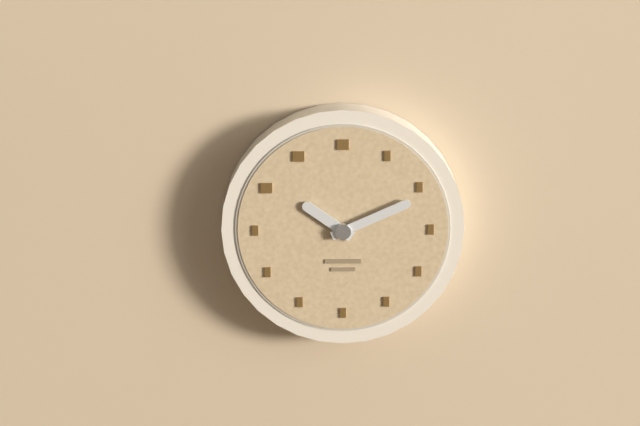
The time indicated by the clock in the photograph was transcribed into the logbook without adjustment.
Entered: 10:11
